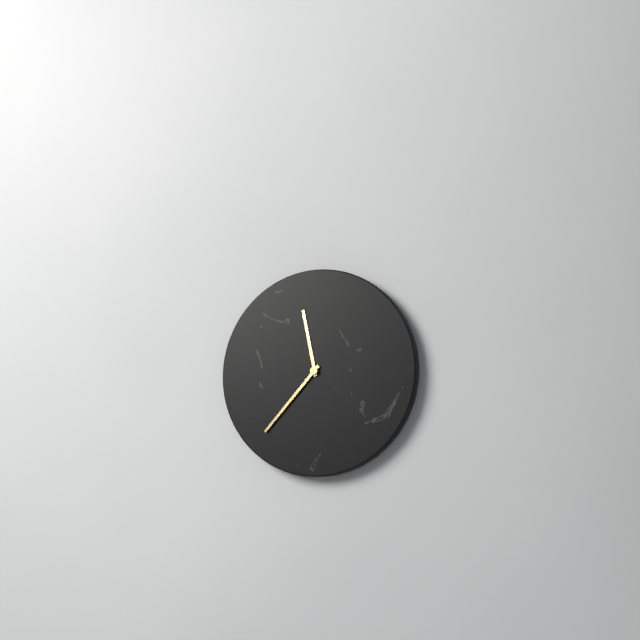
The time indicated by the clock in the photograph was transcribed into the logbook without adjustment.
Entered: 11:37
